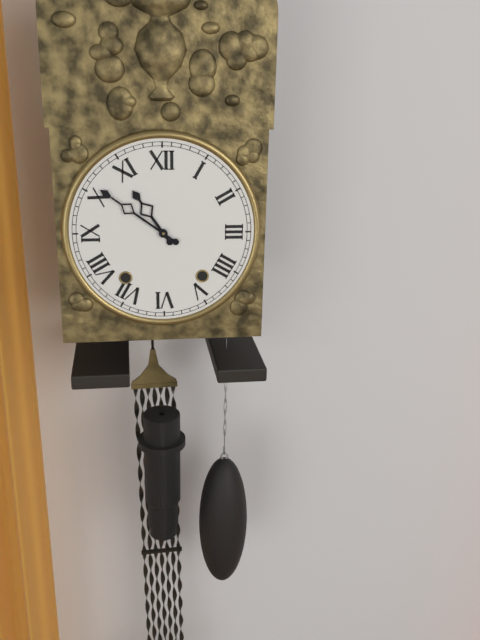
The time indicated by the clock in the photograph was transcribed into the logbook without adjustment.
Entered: 10:51
